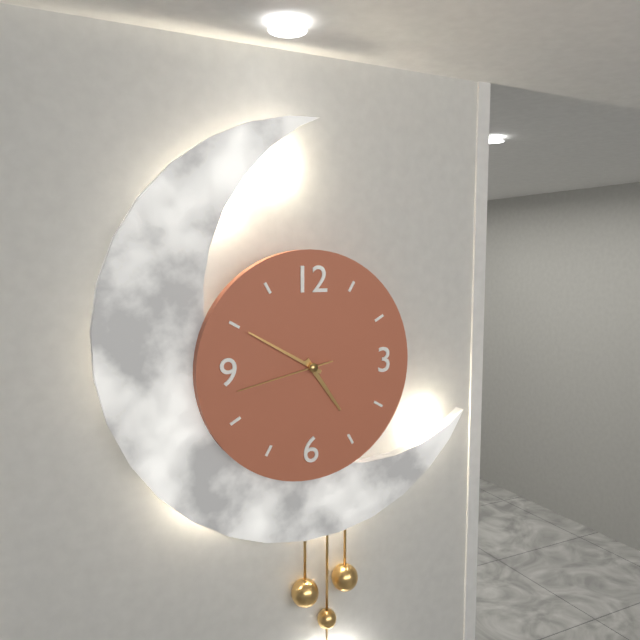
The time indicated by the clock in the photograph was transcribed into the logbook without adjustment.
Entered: 4:50:43
